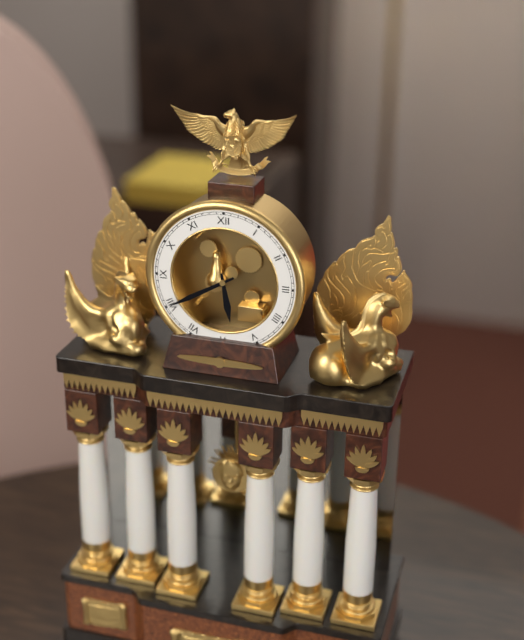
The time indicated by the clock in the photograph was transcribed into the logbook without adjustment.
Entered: 5:40
